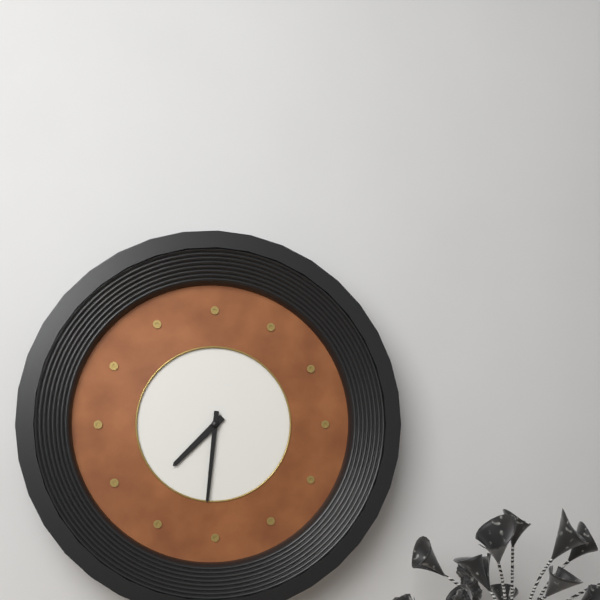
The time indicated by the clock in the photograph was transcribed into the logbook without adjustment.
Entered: 7:31
